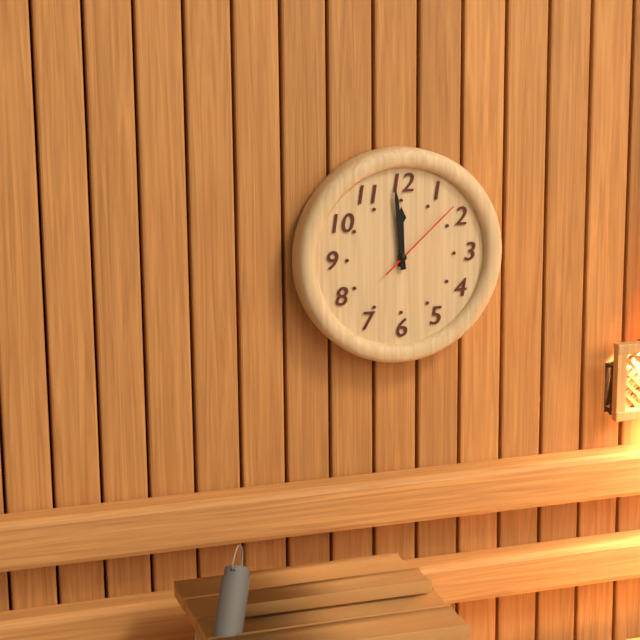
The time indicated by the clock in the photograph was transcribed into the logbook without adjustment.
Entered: 11:59:08
